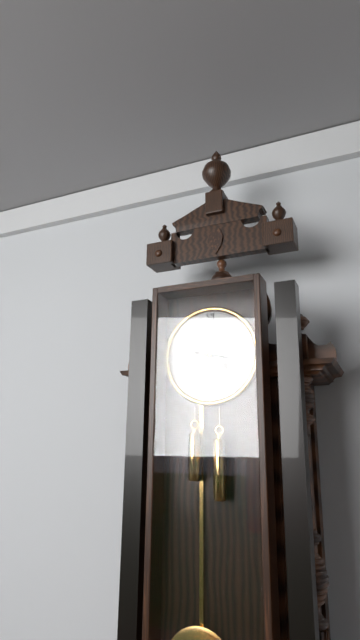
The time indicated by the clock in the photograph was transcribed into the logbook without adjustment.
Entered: 4:17
